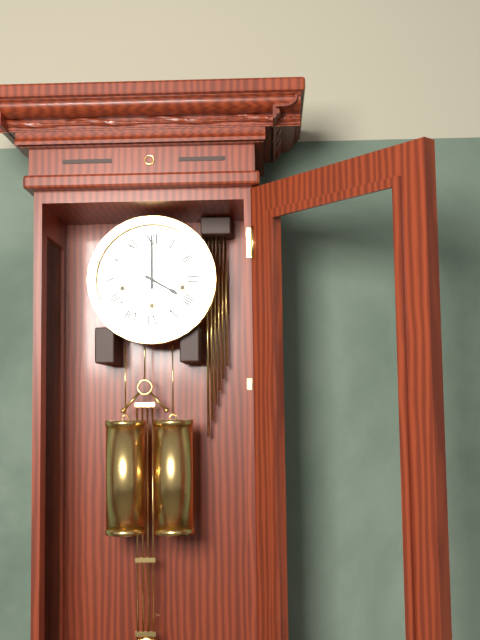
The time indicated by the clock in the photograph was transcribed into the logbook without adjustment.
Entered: 4:00
